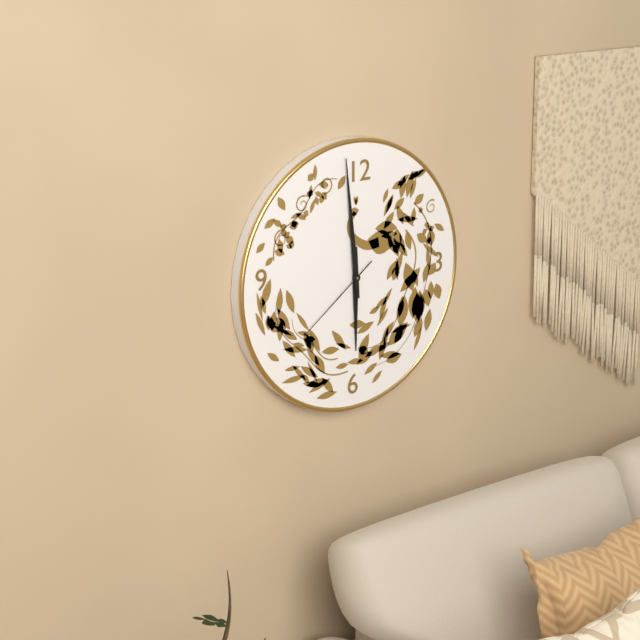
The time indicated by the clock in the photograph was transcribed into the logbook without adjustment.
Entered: 5:59:39
